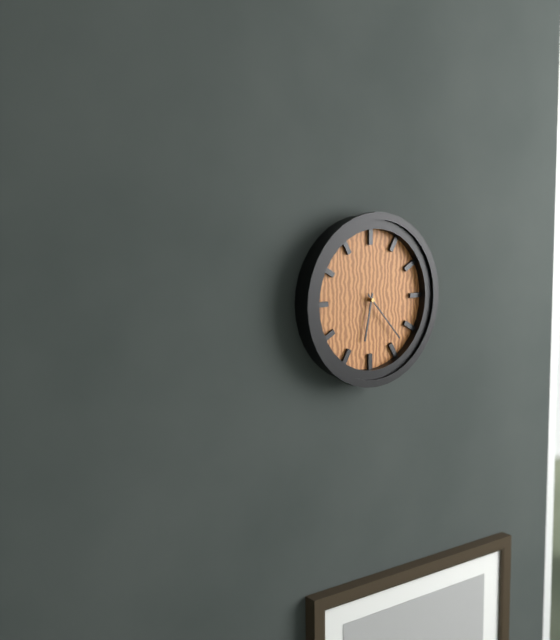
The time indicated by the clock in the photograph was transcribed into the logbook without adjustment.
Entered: 6:23
